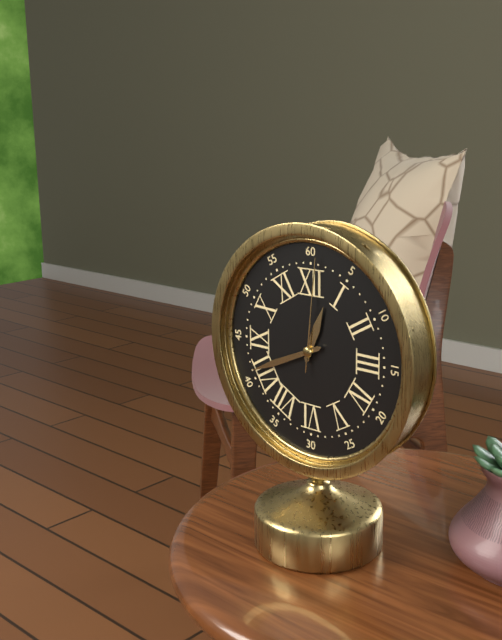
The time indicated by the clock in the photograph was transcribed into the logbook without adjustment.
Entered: 12:41:01
